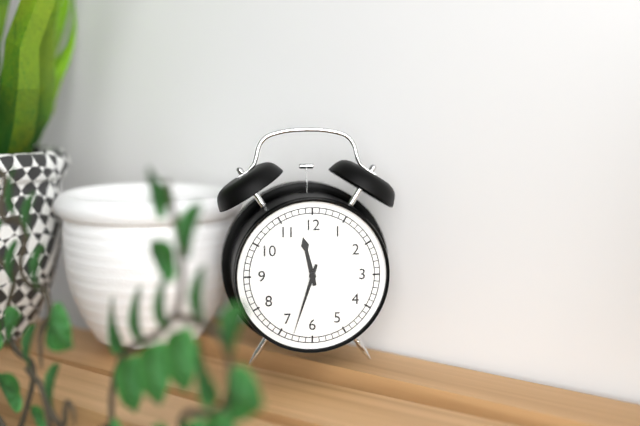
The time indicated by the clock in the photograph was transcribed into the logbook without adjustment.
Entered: 11:33
